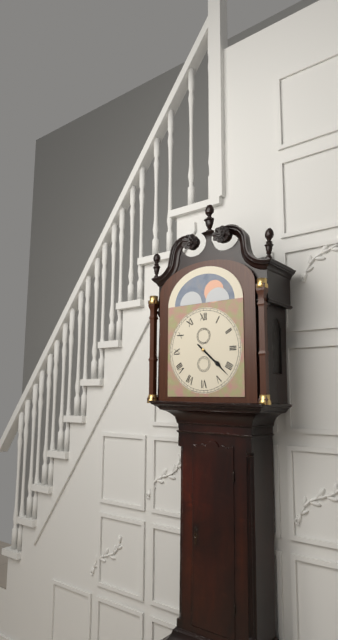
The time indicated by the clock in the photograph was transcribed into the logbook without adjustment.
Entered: 4:22
